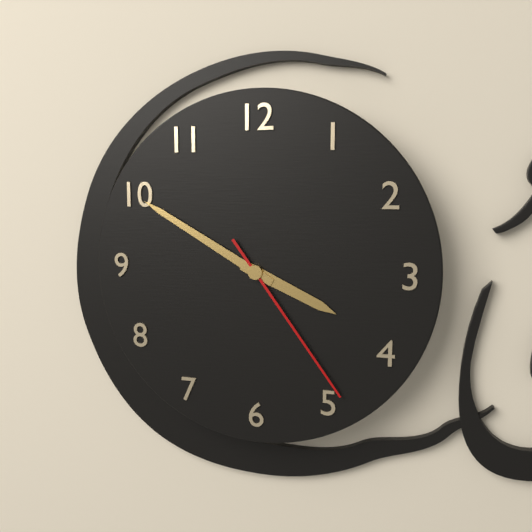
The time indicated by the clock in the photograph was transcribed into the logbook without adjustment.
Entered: 3:50:24
